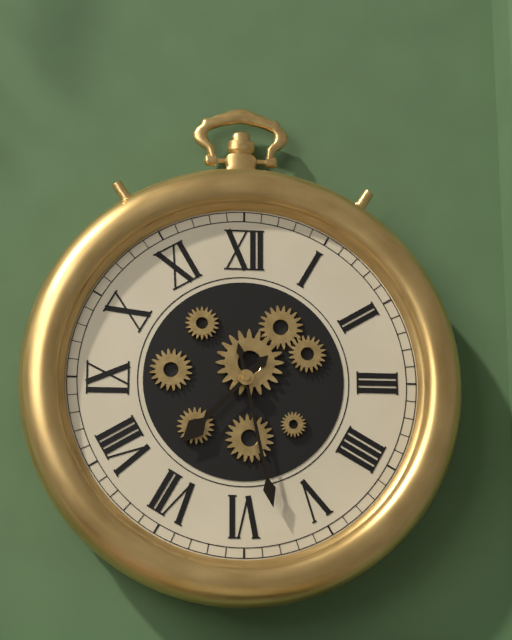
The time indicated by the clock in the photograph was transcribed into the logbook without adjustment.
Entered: 7:28
